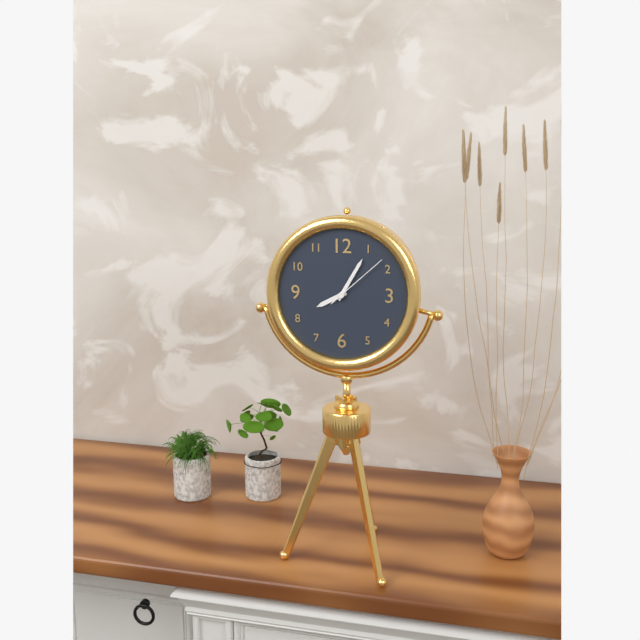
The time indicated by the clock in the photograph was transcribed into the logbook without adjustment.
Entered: 8:05:08
